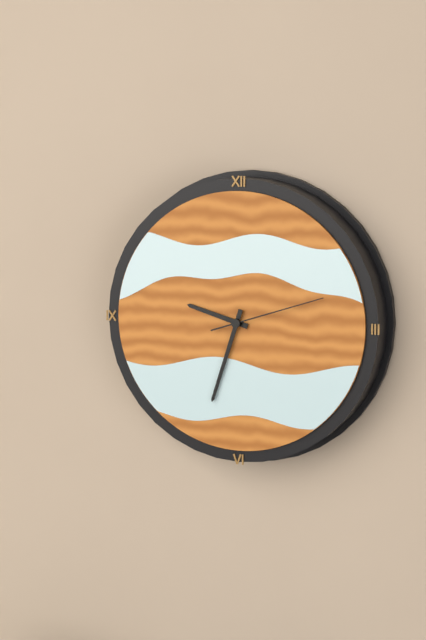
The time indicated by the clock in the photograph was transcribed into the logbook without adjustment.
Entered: 9:33:12
